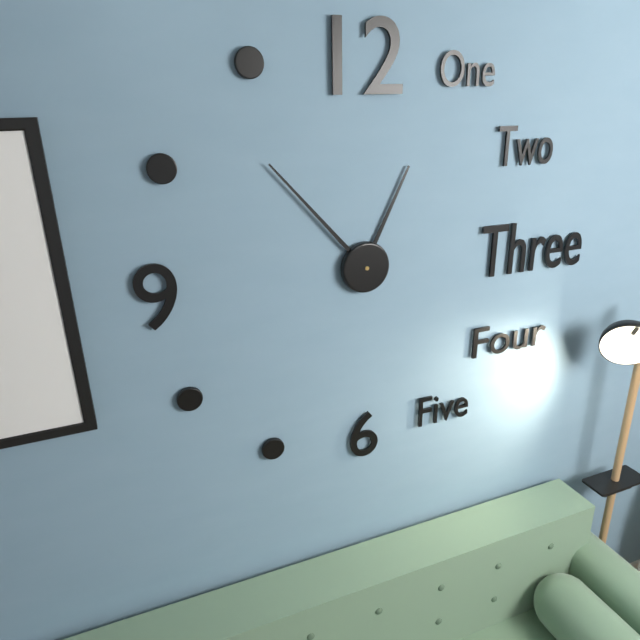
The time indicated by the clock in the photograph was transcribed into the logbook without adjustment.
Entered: 12:53
